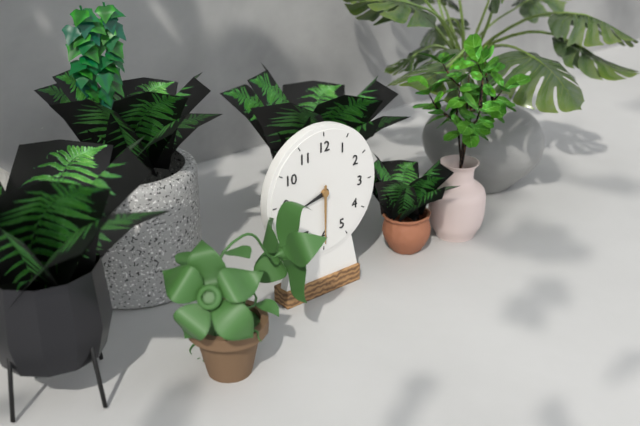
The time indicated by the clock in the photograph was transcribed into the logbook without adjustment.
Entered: 8:30
